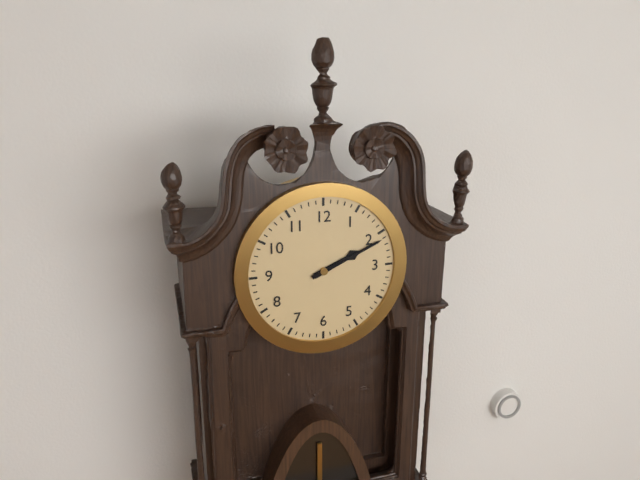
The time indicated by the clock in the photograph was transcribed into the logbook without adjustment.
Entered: 2:11
